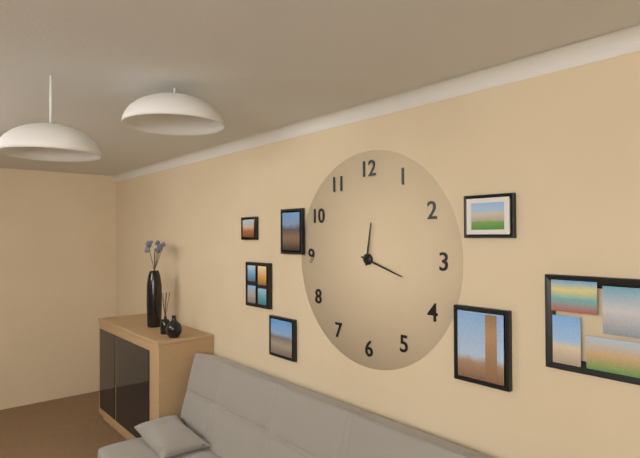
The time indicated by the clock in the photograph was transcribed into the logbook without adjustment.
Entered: 12:18
